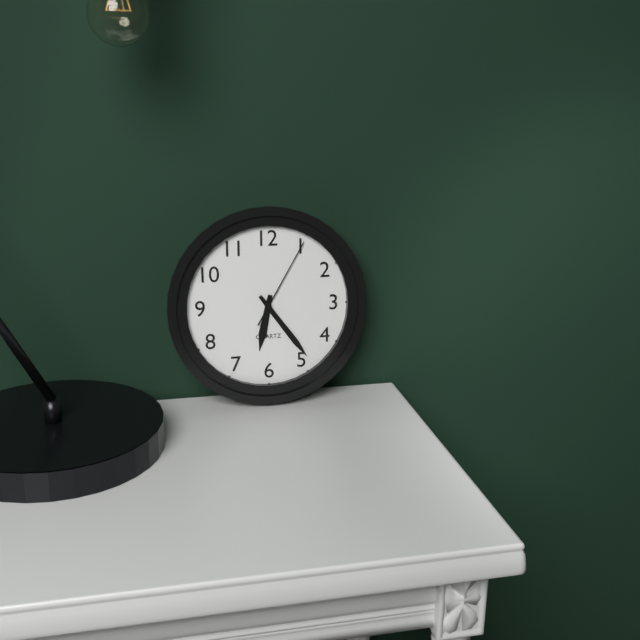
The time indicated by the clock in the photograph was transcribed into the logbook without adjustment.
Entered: 6:24:05
